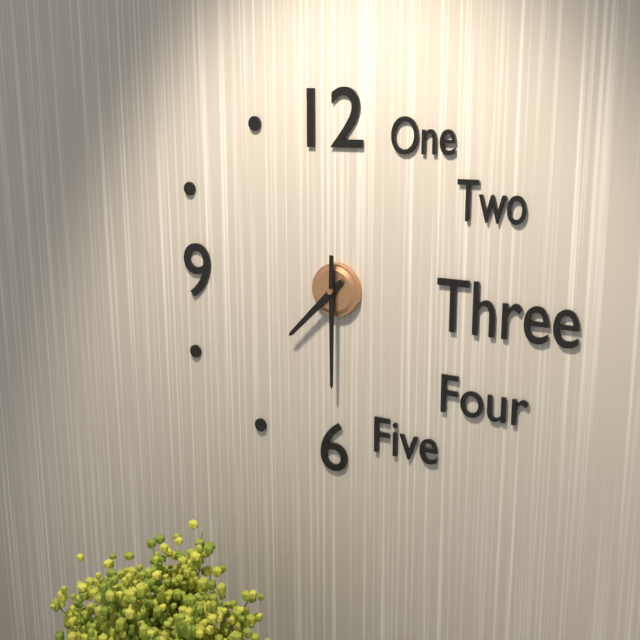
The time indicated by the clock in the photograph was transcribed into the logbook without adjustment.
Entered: 7:30
